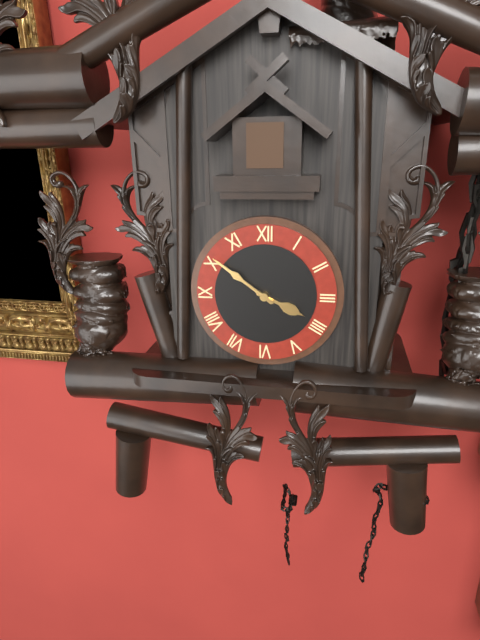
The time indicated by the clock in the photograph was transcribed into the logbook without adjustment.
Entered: 3:51
